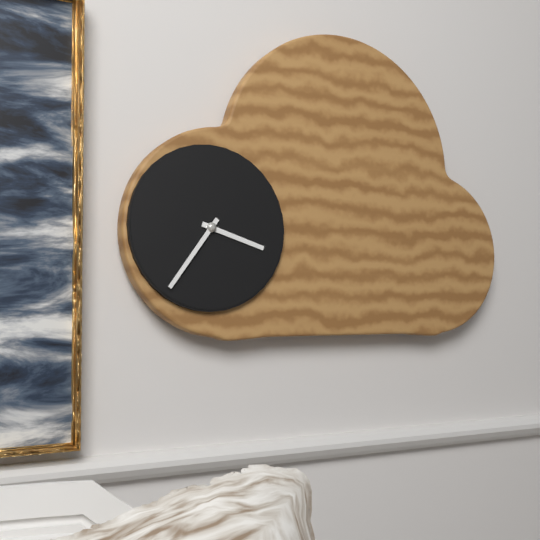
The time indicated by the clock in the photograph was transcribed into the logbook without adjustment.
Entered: 3:36
